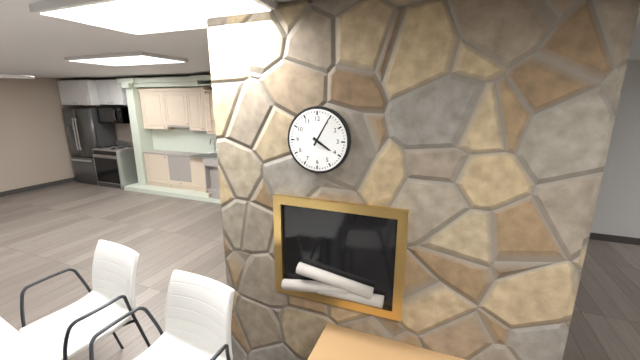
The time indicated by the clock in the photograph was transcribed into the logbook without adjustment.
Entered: 4:05
